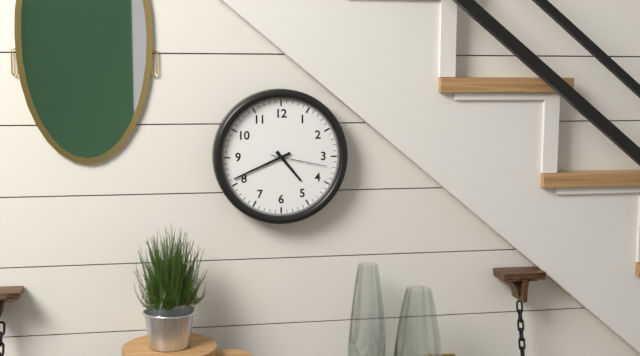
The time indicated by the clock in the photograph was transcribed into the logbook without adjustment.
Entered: 4:41:17
